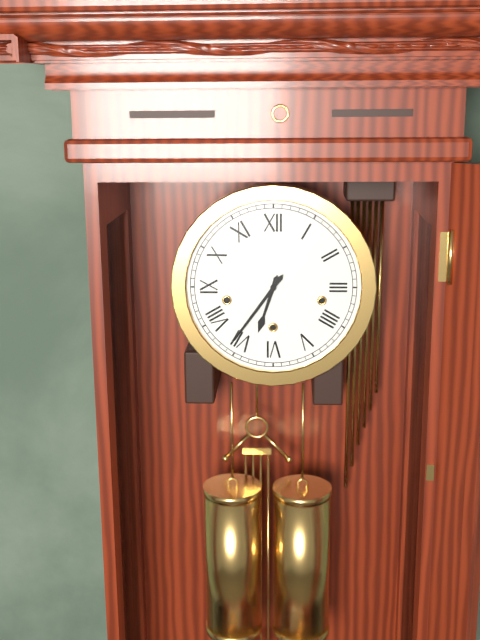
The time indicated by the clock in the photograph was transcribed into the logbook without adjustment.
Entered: 6:36
